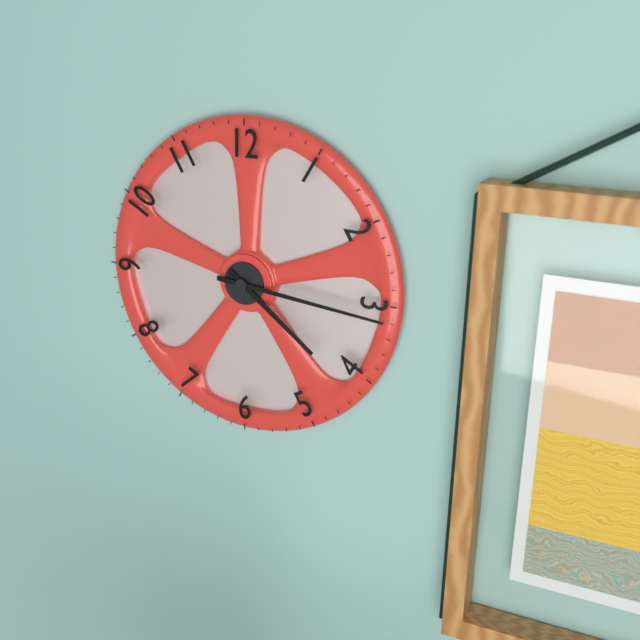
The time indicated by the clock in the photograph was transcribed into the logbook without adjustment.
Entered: 4:16
